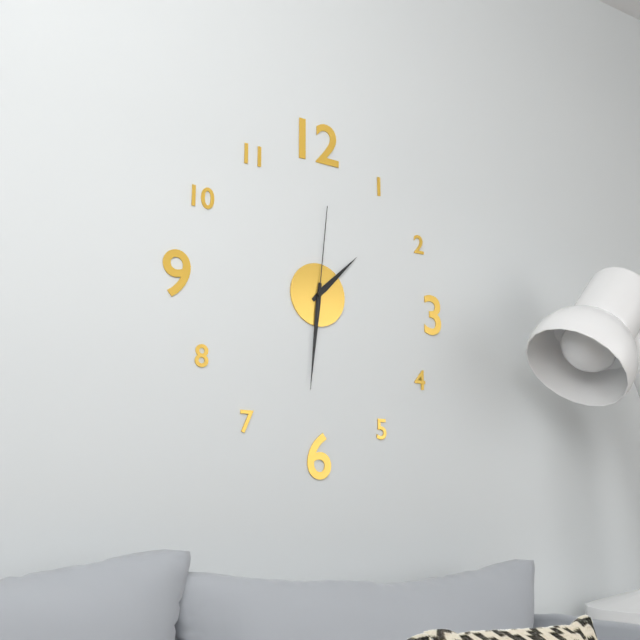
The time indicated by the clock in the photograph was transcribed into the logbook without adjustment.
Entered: 1:31:01
